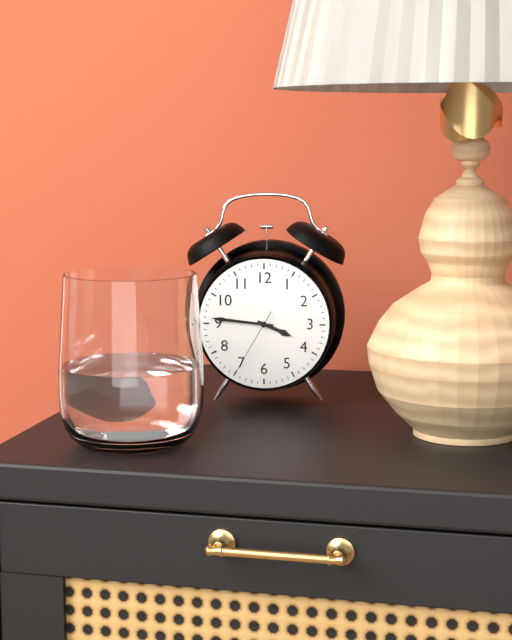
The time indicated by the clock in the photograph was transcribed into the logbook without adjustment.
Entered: 3:46:35
